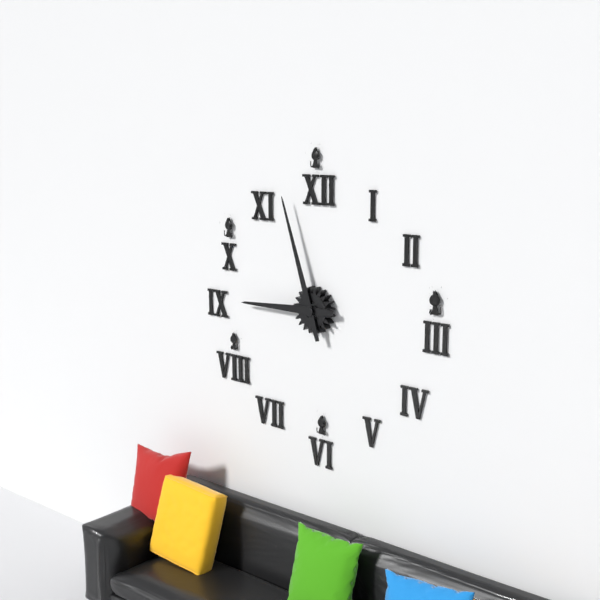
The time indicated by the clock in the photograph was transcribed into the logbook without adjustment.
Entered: 8:57
